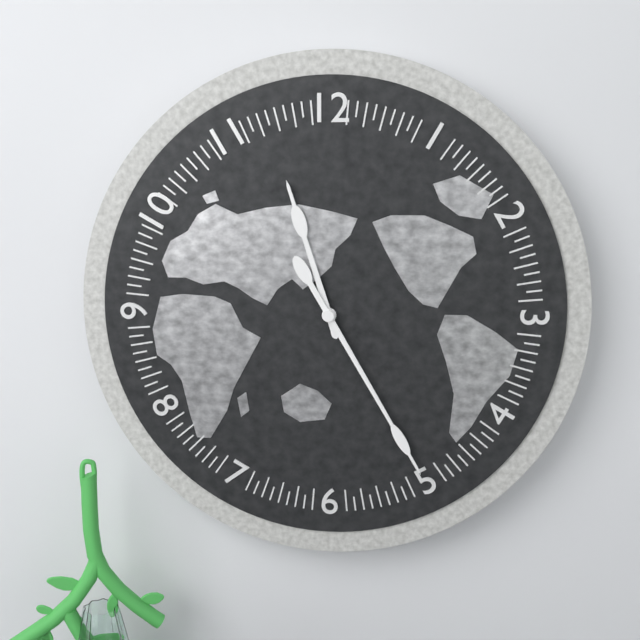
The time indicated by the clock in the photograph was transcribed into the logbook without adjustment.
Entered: 11:25
